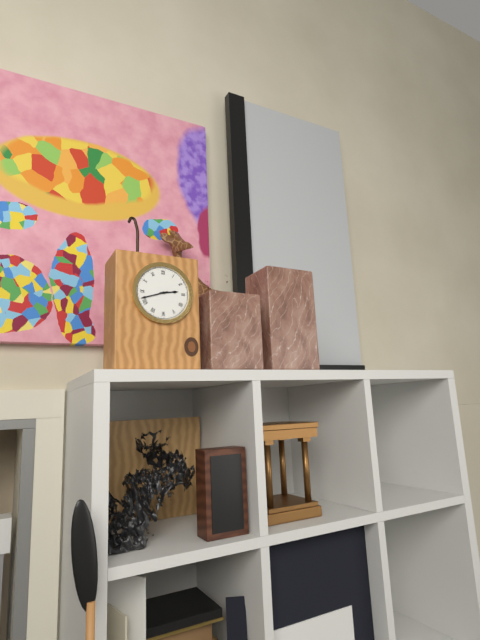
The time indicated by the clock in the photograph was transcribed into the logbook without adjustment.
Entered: 2:42
